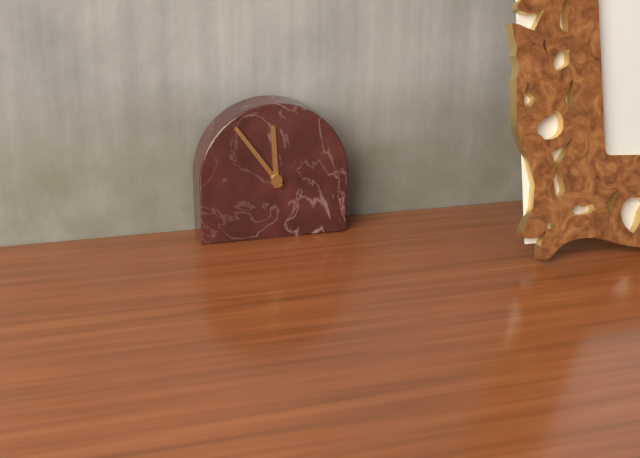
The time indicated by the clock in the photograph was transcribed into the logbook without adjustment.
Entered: 11:54
